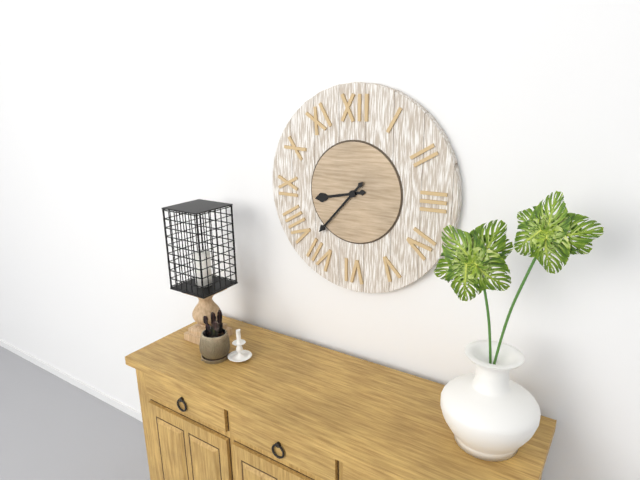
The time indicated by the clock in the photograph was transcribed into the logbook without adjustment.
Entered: 8:37
